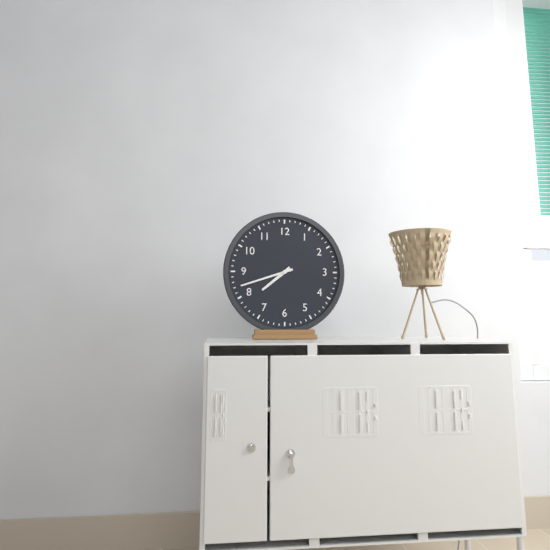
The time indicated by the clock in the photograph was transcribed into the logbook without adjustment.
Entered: 7:42
